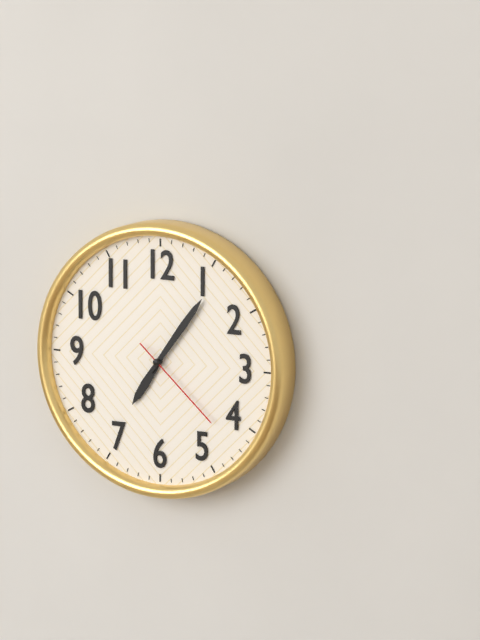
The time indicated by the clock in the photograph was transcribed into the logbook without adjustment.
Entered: 7:06:22
